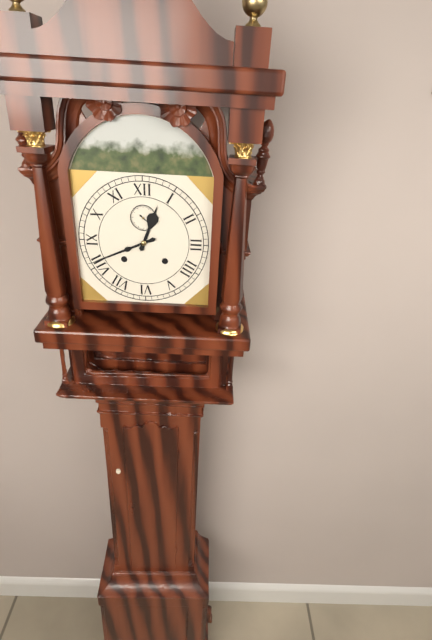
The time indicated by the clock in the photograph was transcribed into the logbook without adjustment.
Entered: 12:41
